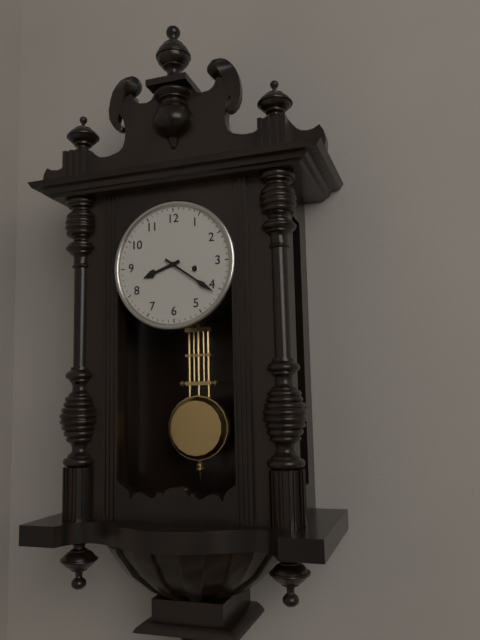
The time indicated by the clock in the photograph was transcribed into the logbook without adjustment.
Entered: 8:21
